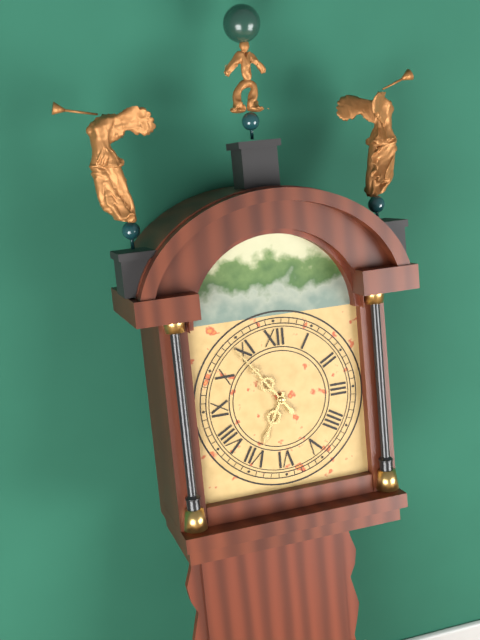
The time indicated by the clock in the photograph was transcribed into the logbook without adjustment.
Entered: 6:54
